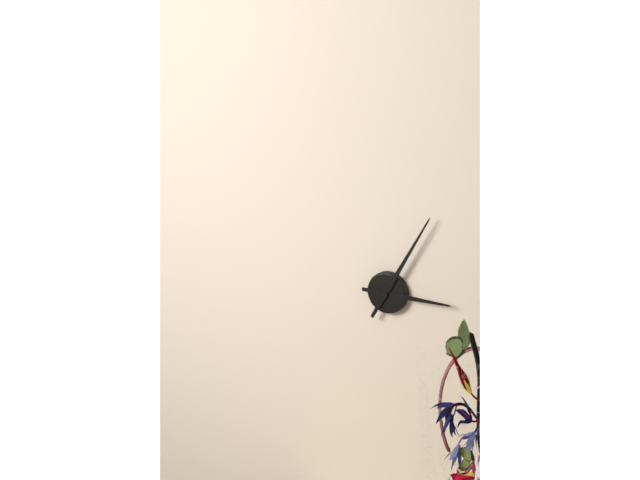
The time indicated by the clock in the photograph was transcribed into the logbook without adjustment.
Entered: 3:05
